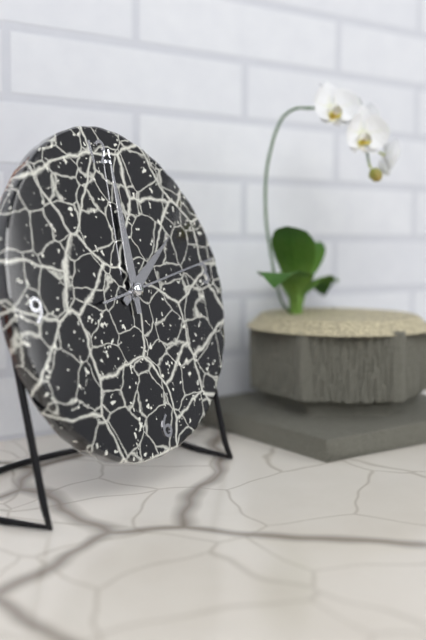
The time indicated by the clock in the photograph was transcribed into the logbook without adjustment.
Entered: 2:01:14
